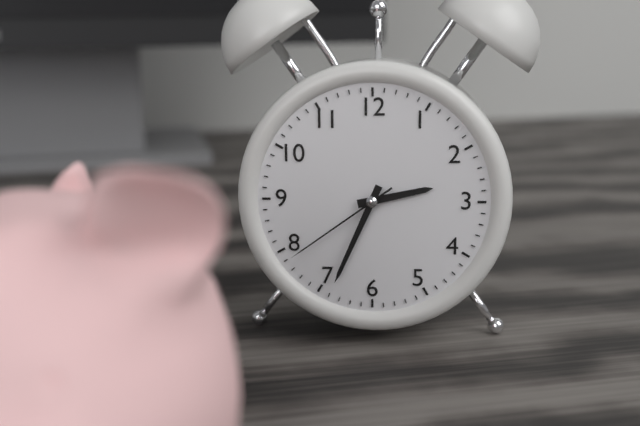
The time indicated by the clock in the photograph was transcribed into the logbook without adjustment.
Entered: 2:34:39
